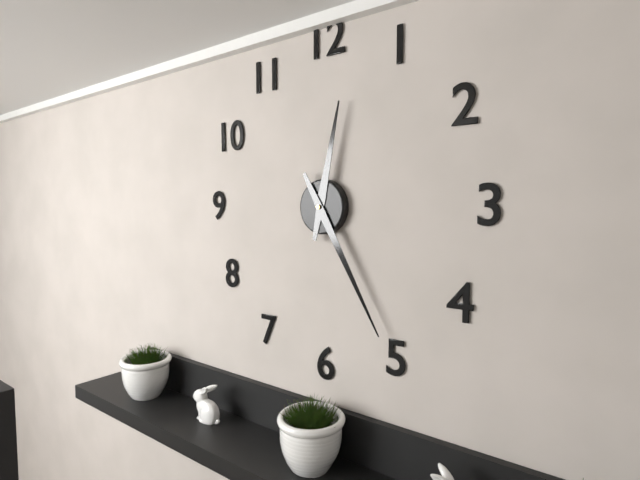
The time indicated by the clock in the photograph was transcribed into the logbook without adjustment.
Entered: 12:25
